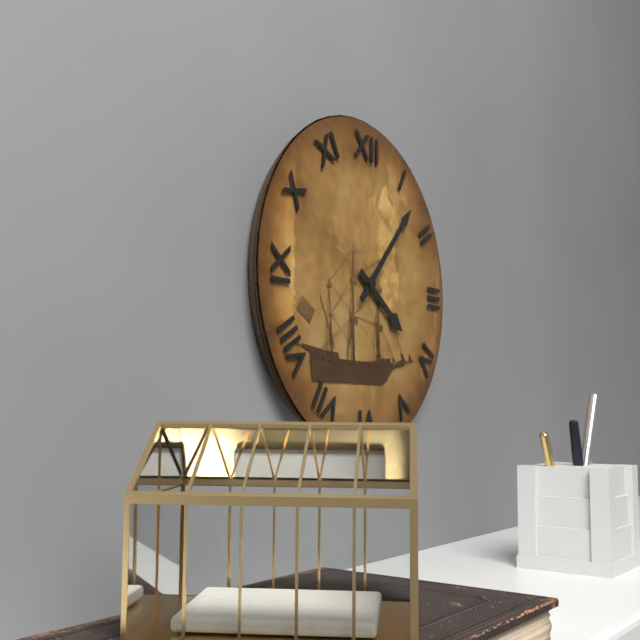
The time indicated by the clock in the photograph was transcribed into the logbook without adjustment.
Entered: 4:07
